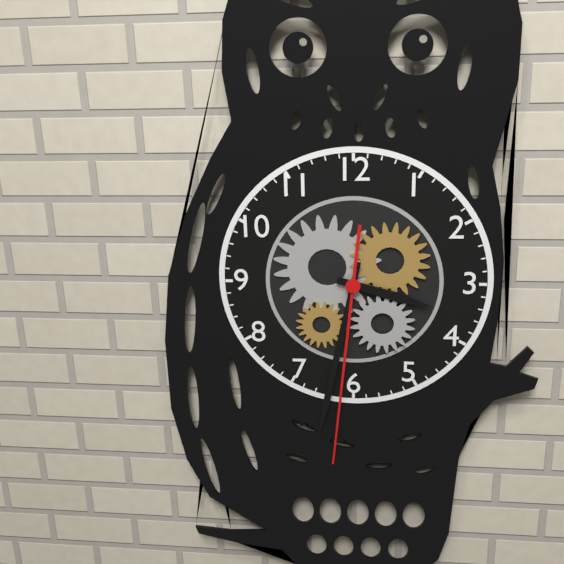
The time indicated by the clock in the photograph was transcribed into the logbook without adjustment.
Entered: 3:32:31
